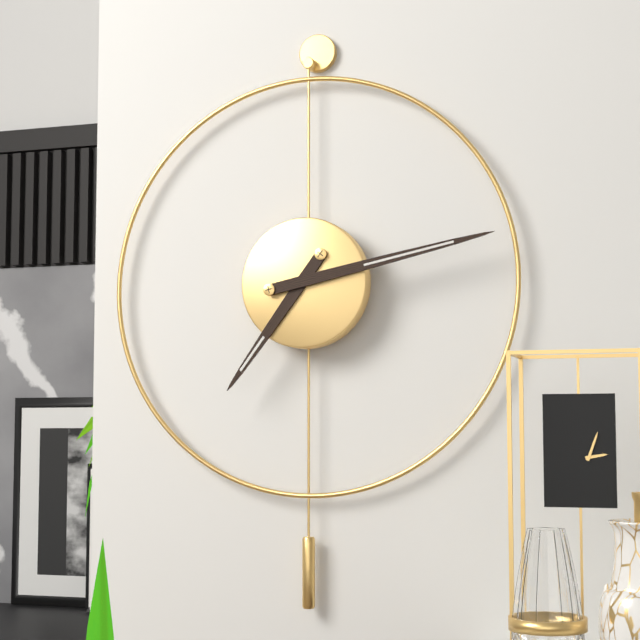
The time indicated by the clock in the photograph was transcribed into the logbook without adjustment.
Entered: 7:13
